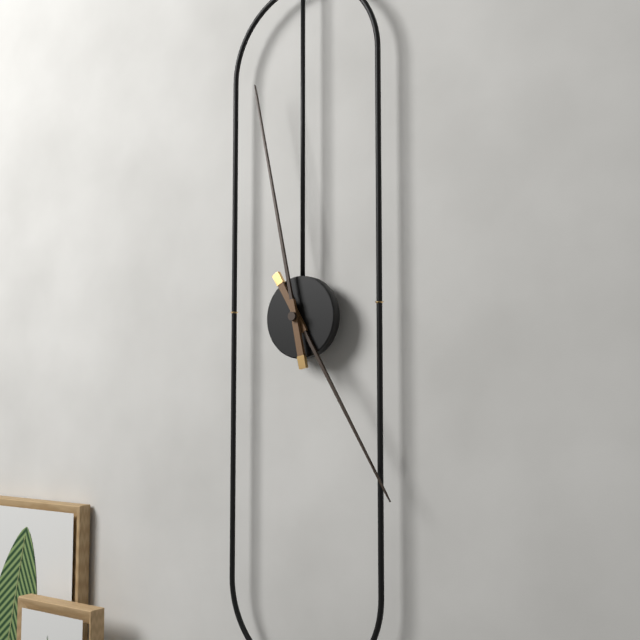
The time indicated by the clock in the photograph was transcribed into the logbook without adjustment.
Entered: 4:58
